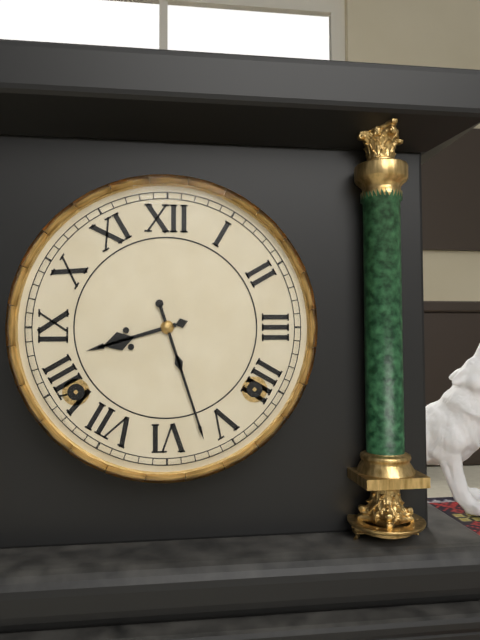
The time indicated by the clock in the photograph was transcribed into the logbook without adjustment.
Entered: 8:27
